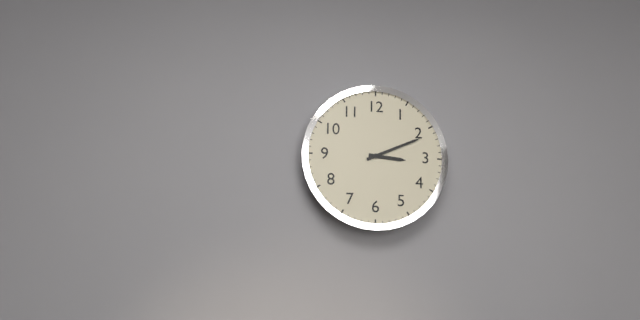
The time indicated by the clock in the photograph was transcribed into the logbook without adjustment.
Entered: 3:11
